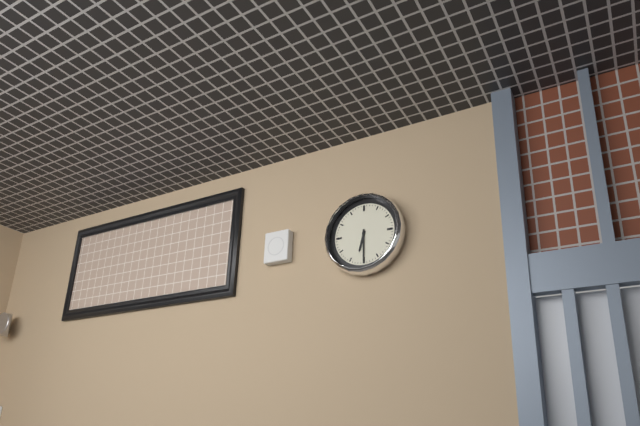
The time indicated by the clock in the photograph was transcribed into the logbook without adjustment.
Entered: 6:30
